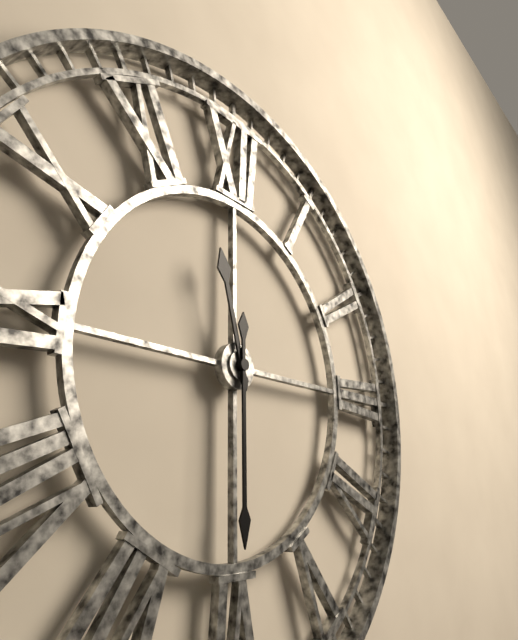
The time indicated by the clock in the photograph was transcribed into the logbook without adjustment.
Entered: 11:30
